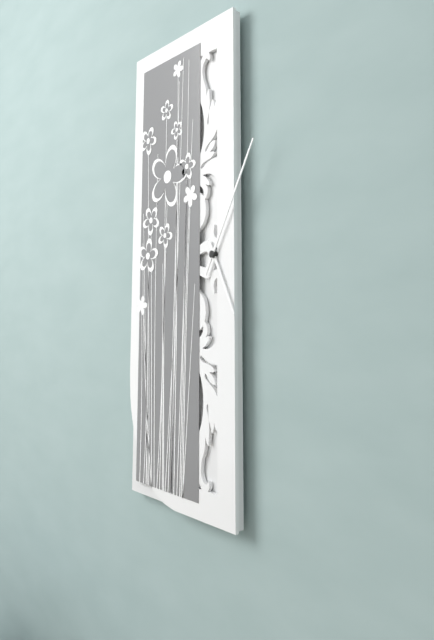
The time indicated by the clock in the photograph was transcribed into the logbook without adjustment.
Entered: 5:05
